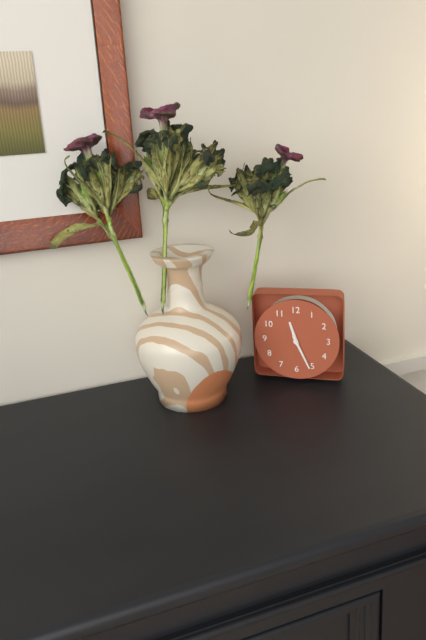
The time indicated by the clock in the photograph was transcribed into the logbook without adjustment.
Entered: 11:26
